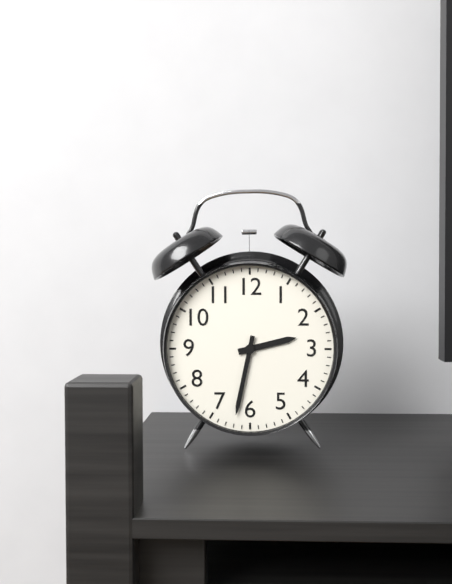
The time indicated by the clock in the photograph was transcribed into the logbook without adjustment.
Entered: 2:32
